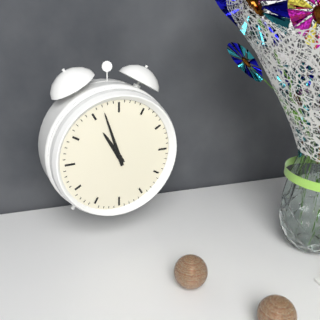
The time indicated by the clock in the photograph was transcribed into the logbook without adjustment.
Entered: 10:57
